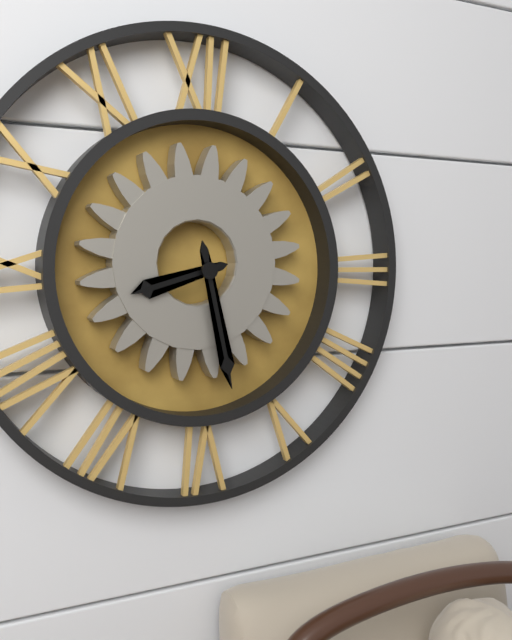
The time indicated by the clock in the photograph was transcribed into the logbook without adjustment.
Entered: 8:28
